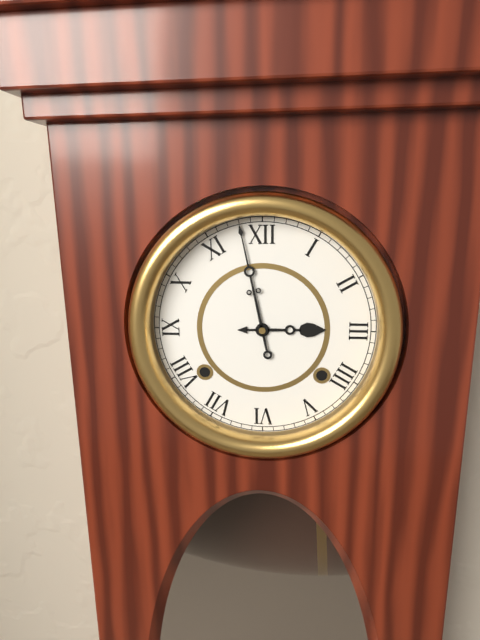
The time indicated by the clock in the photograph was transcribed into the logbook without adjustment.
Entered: 2:58
